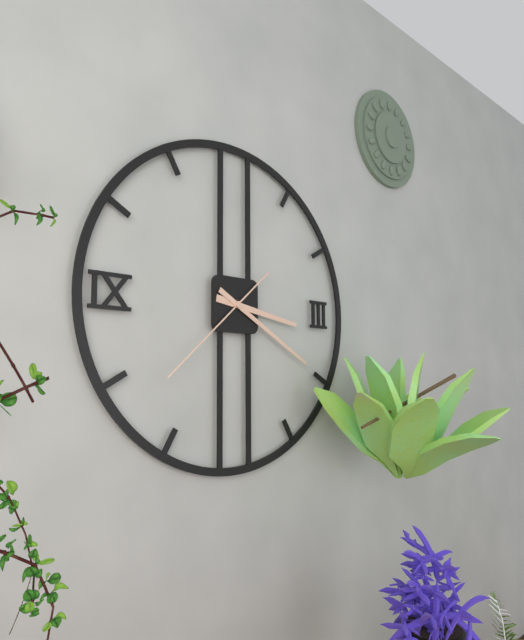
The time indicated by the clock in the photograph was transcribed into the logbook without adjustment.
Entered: 3:20:38
